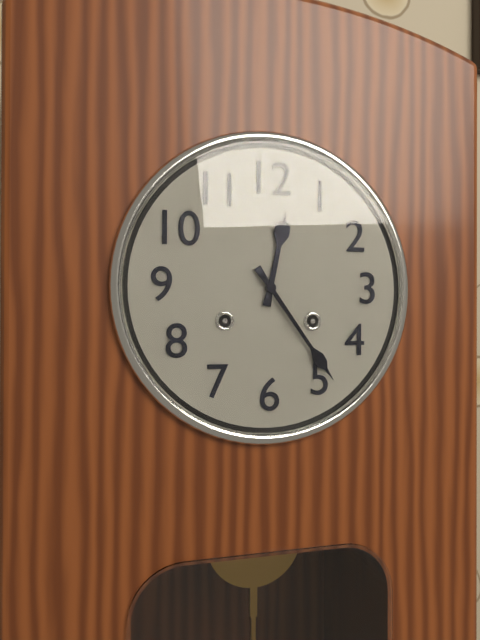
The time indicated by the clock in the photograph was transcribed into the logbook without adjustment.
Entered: 12:24
